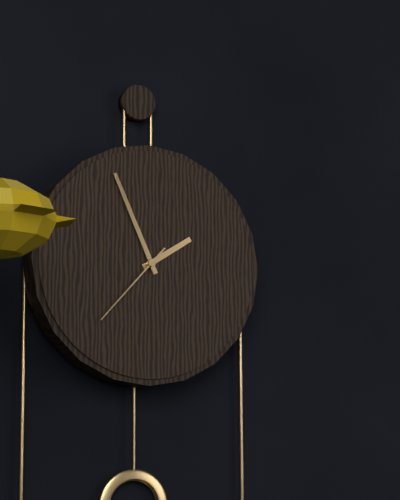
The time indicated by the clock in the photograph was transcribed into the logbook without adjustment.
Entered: 1:56:37
